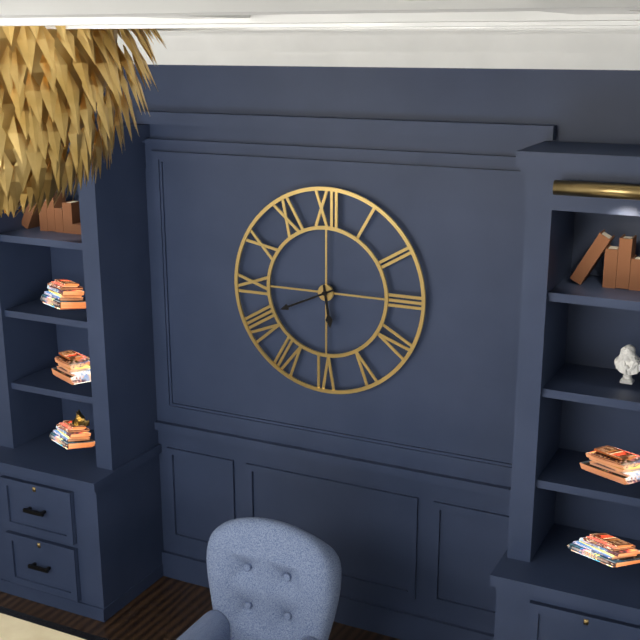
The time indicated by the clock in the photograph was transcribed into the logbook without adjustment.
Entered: 5:41
